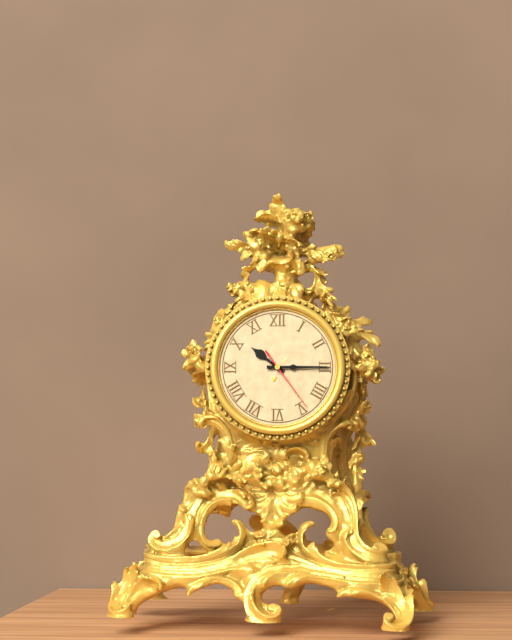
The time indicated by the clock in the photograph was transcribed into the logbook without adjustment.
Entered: 10:15:24
